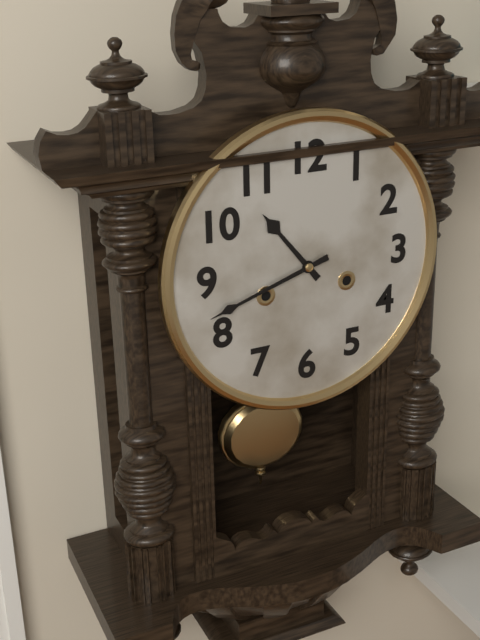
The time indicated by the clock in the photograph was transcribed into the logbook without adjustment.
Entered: 10:42
